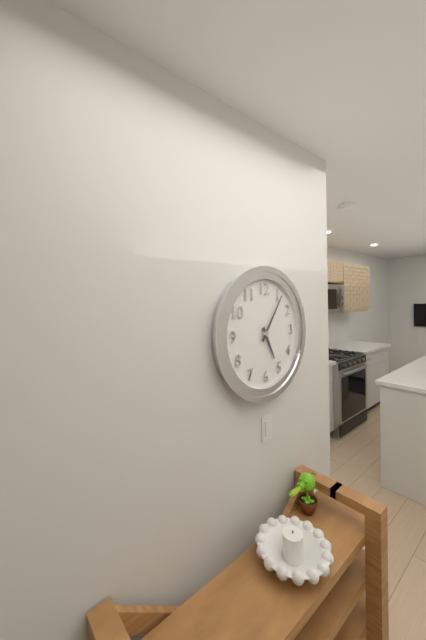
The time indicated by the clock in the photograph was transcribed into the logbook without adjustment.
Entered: 5:06
